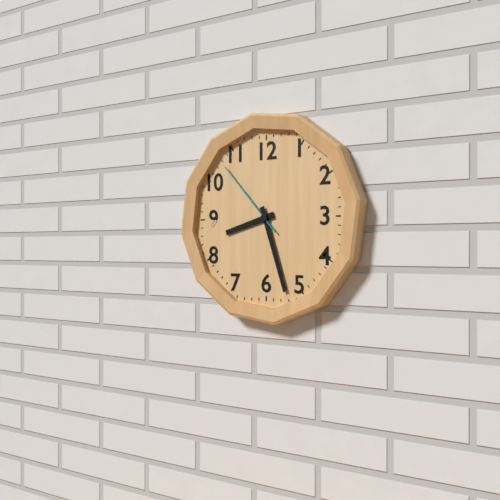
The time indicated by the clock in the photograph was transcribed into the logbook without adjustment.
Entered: 8:27:53
